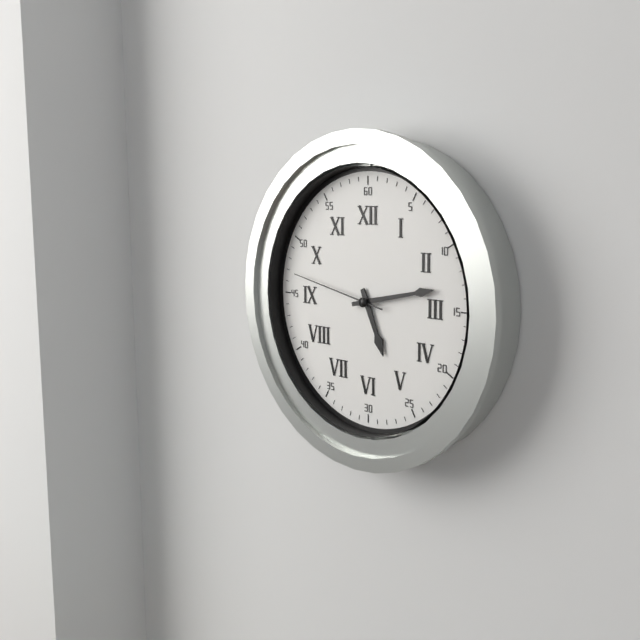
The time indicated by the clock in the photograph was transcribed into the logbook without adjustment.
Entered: 5:13:47
